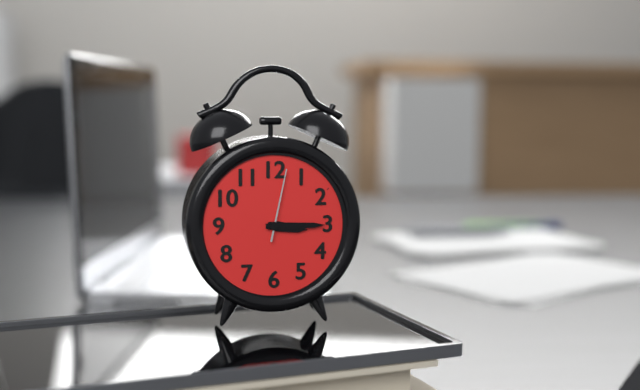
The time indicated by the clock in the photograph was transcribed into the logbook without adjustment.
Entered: 3:15:02
